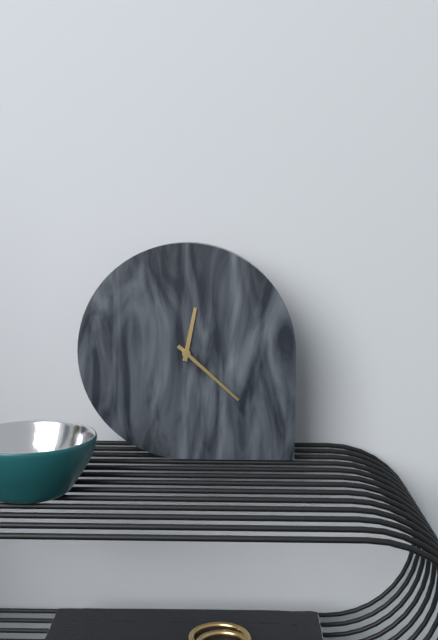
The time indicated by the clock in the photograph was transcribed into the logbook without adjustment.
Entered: 12:22
